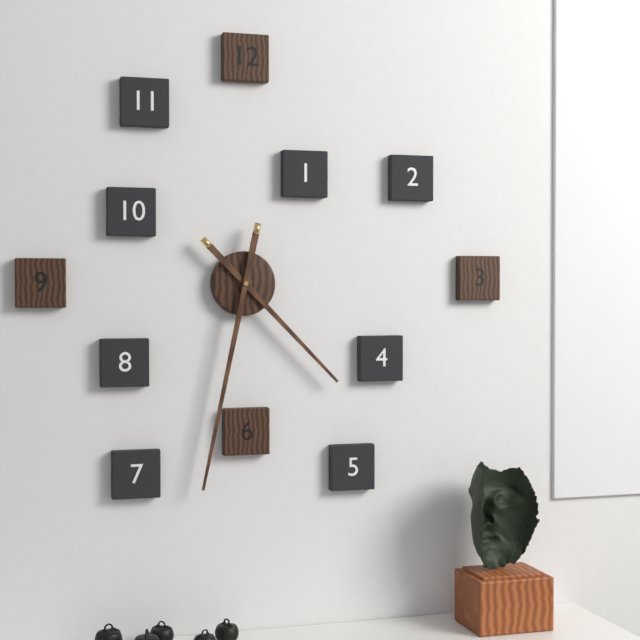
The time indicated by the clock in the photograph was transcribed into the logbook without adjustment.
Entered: 4:32
